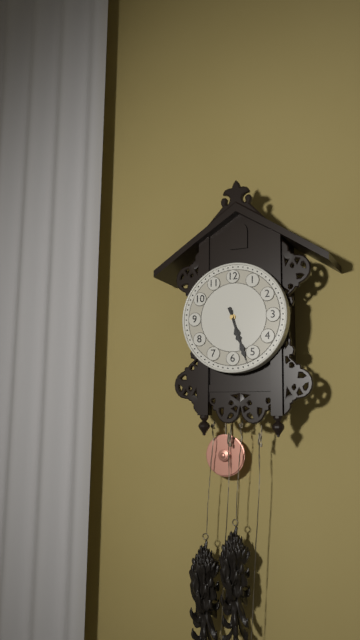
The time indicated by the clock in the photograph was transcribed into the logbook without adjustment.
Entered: 5:27
